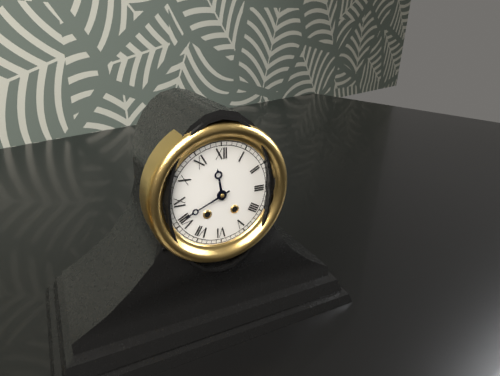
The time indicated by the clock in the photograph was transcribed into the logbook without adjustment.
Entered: 11:41
